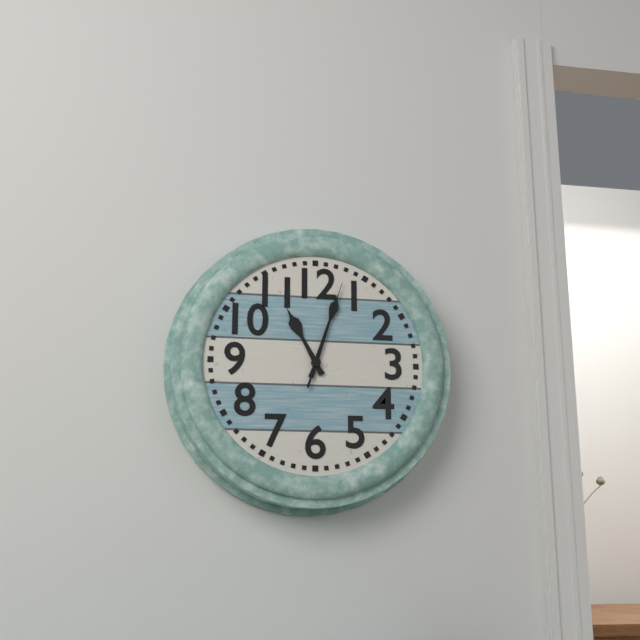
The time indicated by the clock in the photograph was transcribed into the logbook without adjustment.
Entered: 11:03:03
